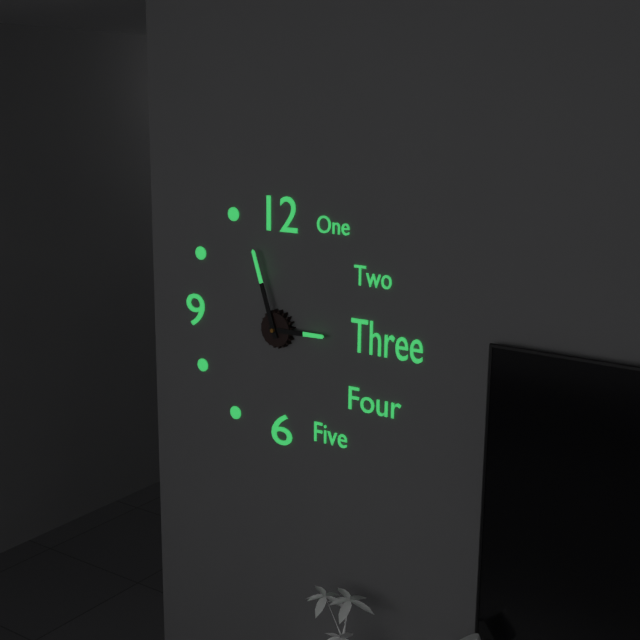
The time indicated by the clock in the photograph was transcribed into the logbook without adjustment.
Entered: 2:57
